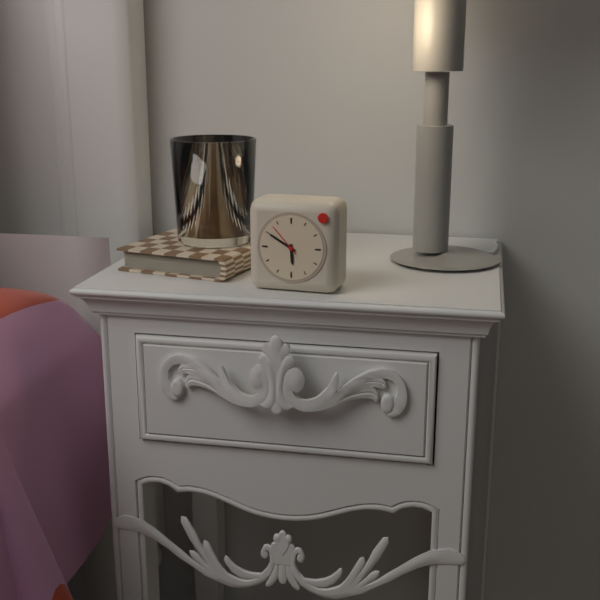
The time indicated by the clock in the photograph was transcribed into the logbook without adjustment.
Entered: 5:50
